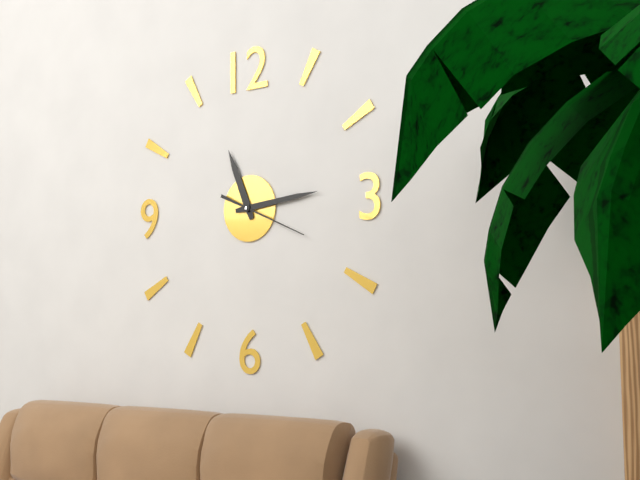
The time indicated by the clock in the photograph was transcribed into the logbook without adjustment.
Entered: 11:14:19
